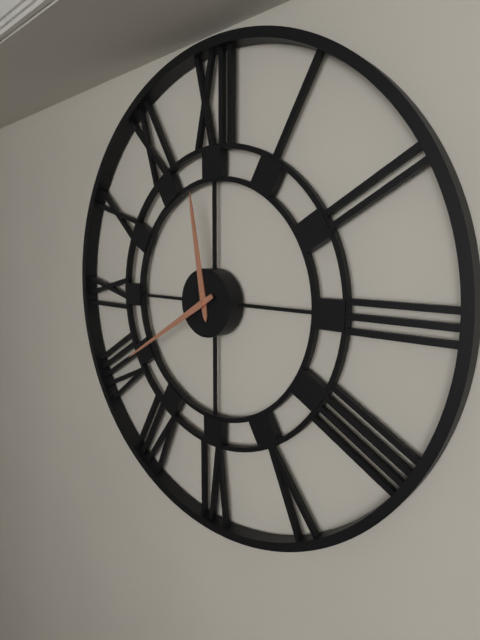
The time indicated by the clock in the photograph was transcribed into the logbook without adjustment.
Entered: 11:40
